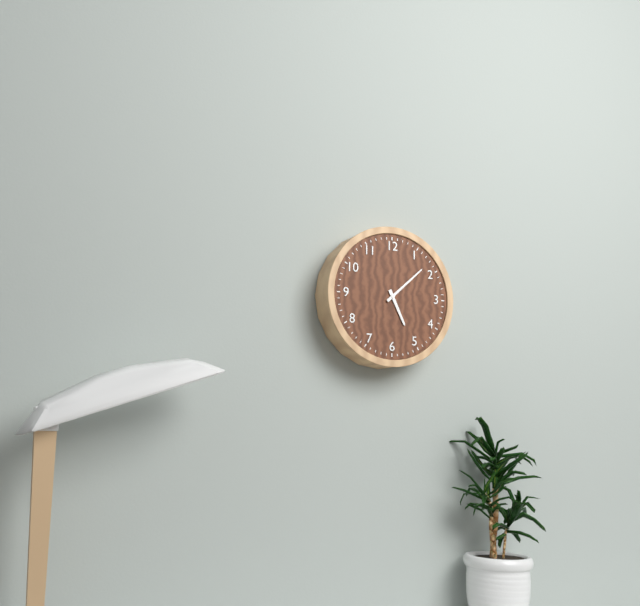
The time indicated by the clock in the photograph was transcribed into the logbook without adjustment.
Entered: 5:08
